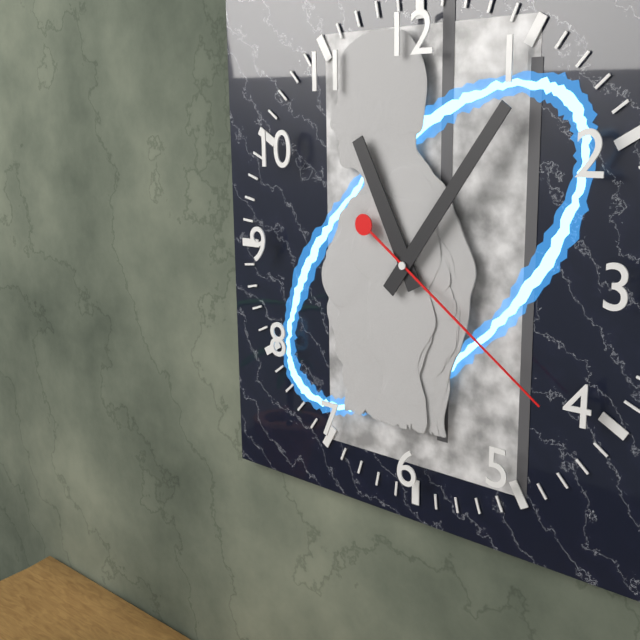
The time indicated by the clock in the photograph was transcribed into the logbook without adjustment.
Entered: 11:06:21
